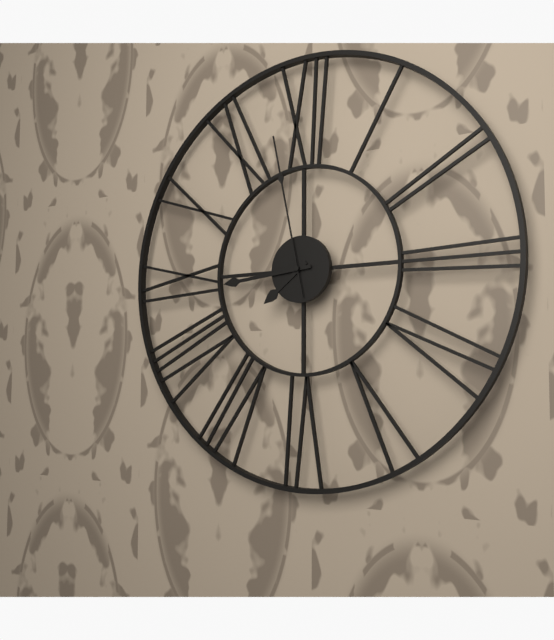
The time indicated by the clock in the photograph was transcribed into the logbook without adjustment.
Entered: 7:44:58
